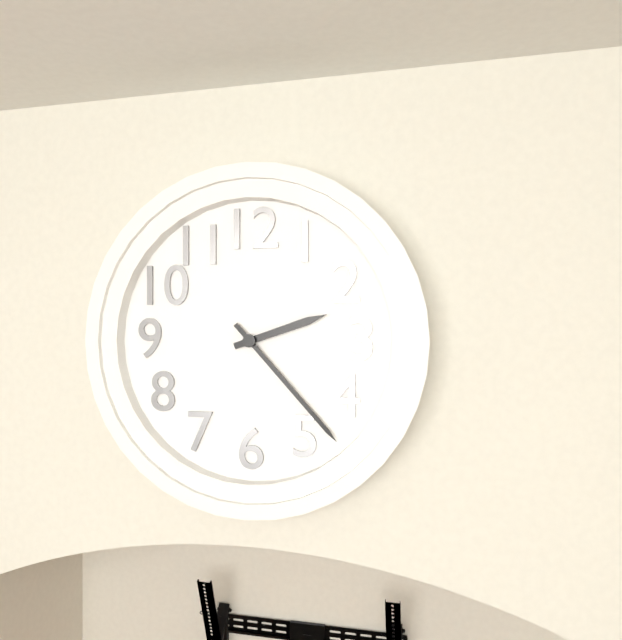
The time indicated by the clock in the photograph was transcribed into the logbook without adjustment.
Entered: 2:23
